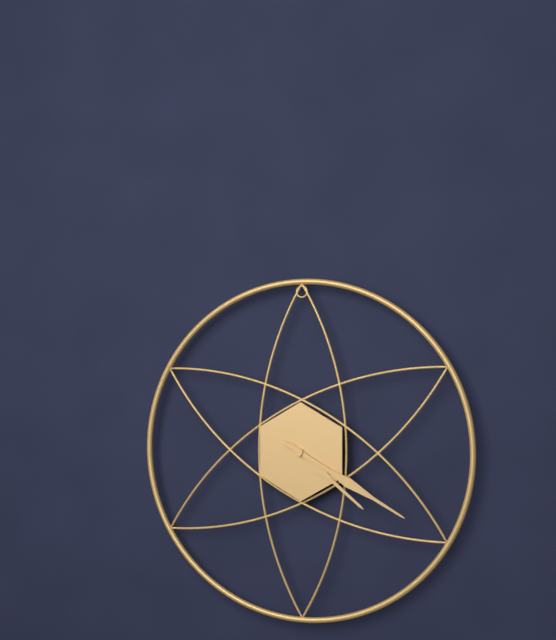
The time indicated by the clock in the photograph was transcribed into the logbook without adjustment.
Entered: 4:20
